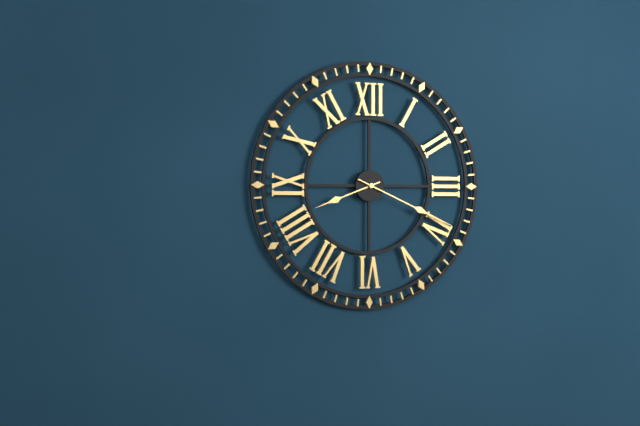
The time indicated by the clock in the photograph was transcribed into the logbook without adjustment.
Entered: 8:19
